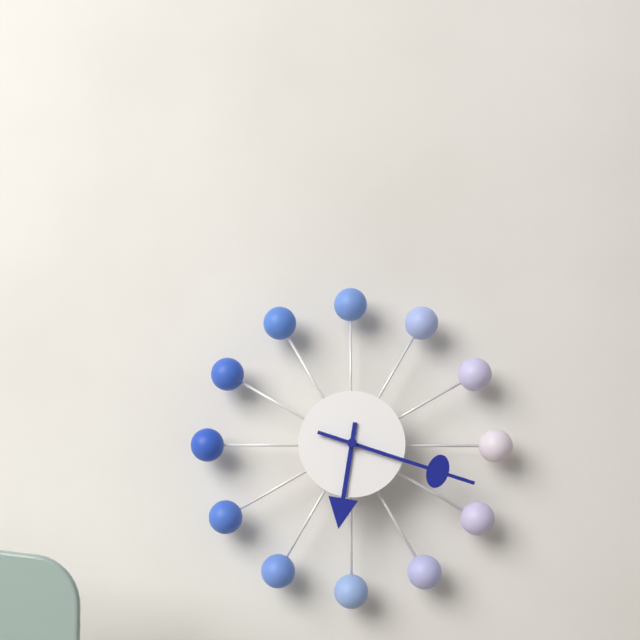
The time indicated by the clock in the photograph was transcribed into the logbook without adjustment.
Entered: 6:18
